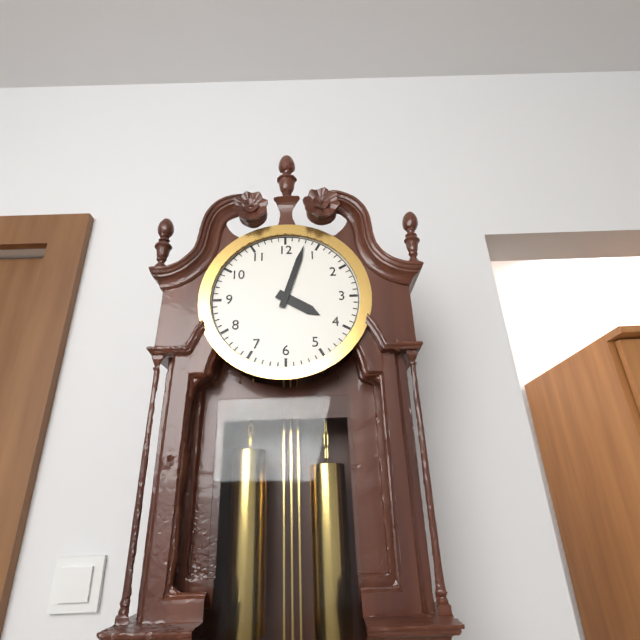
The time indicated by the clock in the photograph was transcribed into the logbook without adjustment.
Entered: 4:03
